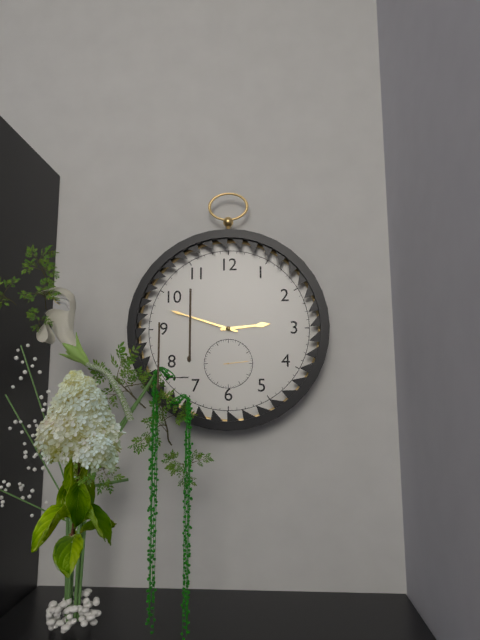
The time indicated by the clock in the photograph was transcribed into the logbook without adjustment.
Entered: 2:48
